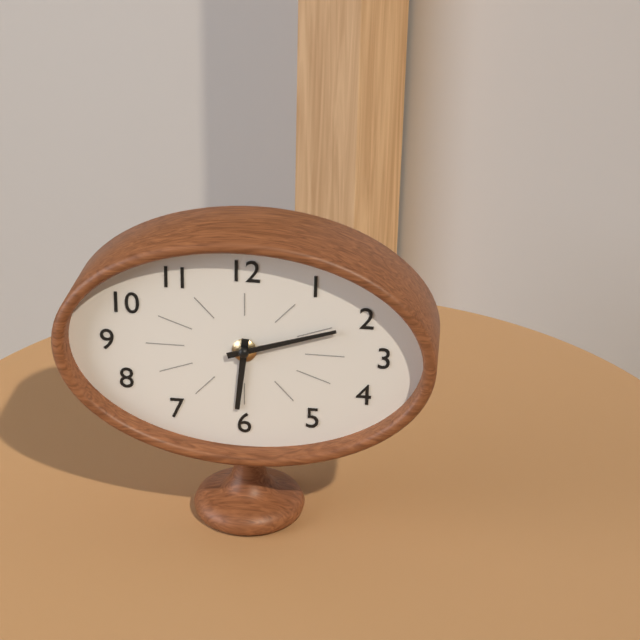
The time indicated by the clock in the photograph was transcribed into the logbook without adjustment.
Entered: 6:12
